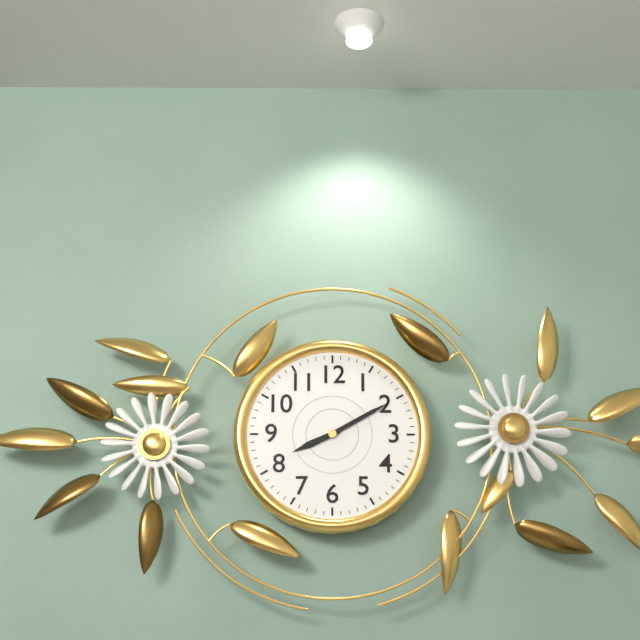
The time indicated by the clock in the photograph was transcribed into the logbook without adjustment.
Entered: 8:10
